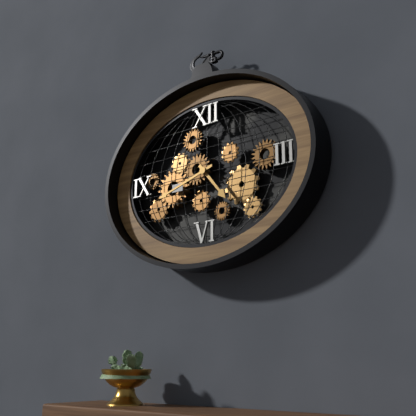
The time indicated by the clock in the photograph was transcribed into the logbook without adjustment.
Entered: 4:42
